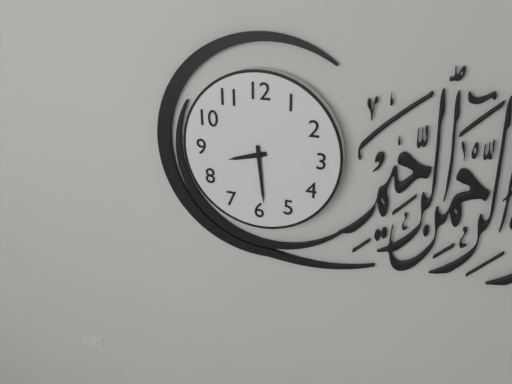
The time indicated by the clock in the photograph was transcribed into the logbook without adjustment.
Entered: 8:29
